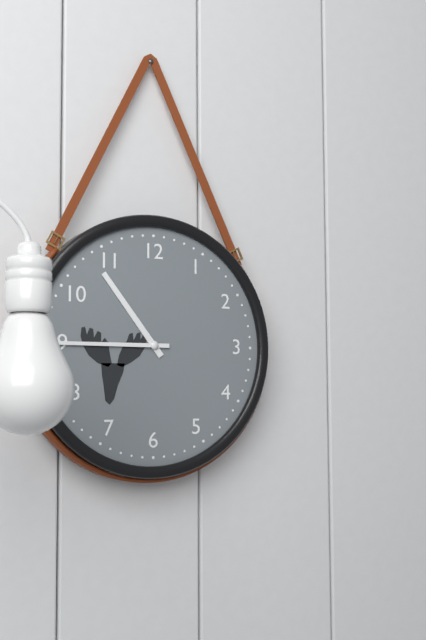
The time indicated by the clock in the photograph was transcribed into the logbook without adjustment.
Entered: 10:45
